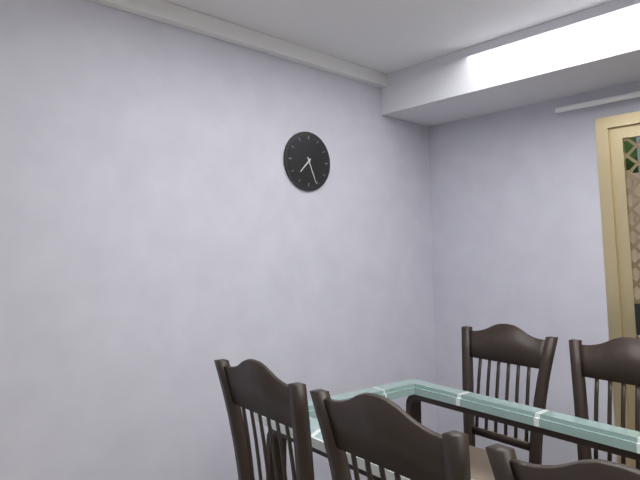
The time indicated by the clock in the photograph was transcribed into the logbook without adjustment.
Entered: 7:26
